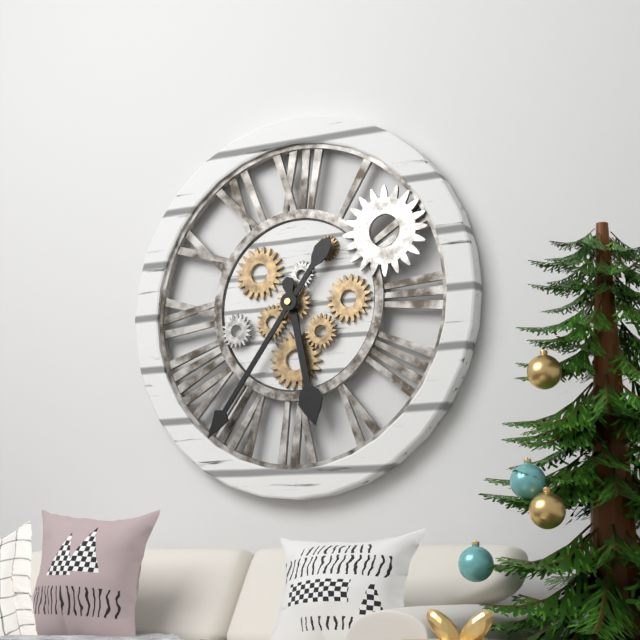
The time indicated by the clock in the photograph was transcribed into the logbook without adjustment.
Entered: 5:36
